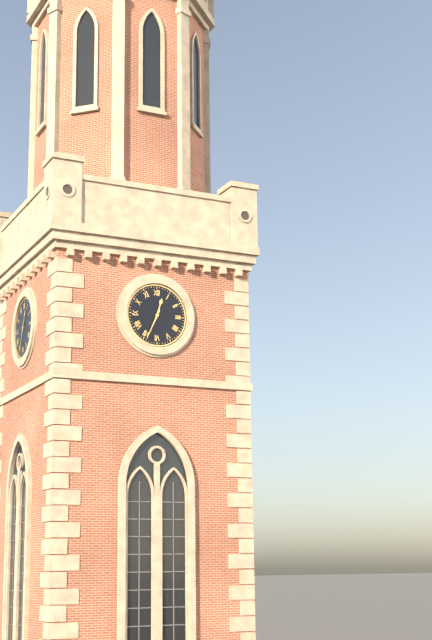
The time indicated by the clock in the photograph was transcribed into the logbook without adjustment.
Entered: 12:34
